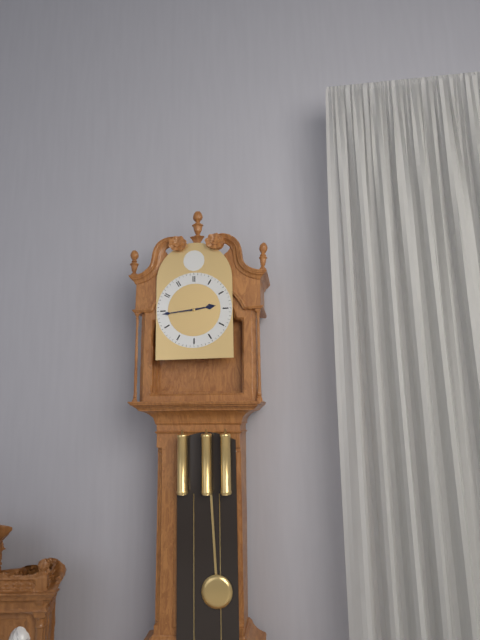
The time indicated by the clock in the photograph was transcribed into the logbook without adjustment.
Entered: 2:44
